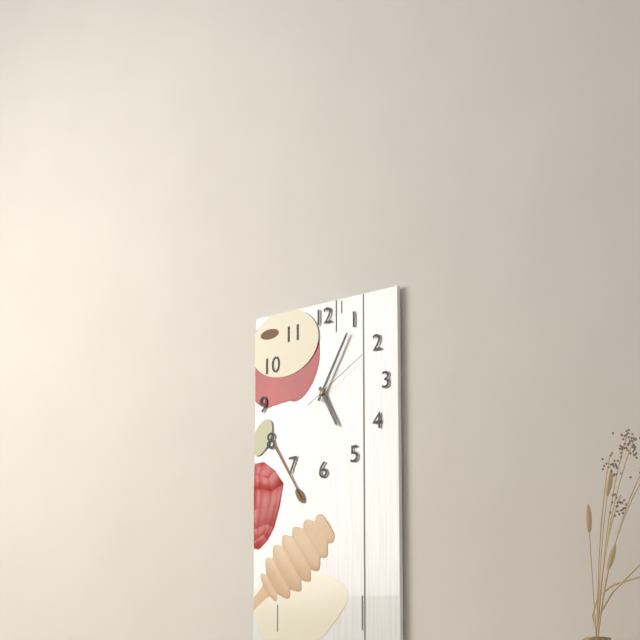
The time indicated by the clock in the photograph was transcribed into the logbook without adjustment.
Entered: 5:05:10
